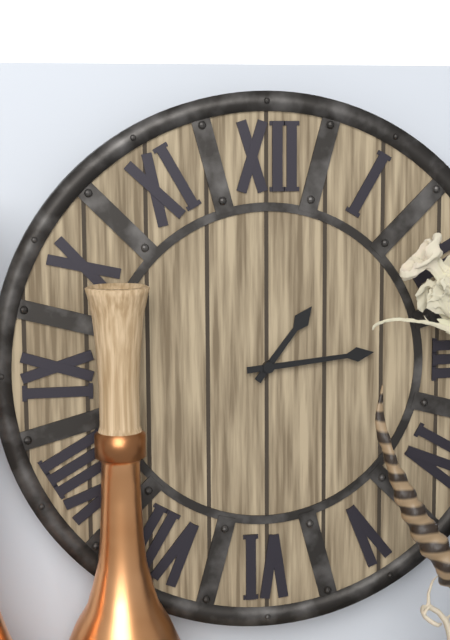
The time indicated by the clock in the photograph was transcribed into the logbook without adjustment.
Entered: 1:14
